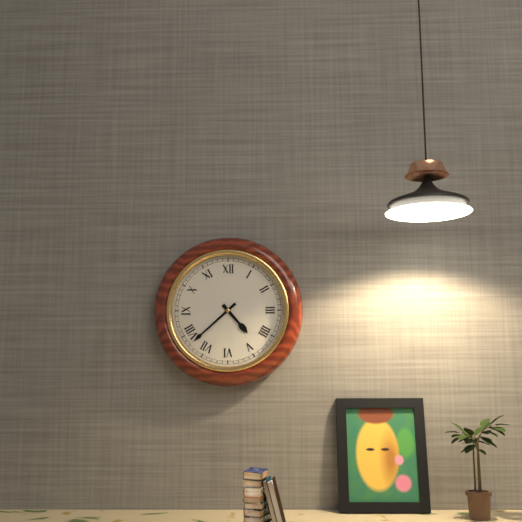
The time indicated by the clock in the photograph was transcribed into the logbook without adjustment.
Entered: 4:38
